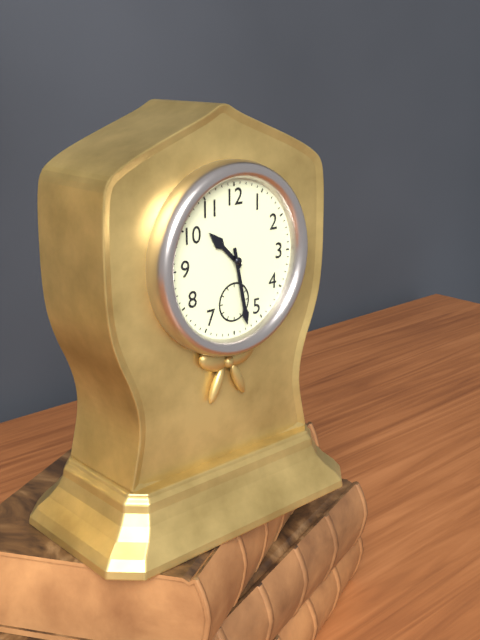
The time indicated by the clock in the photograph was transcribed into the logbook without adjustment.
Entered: 10:28
